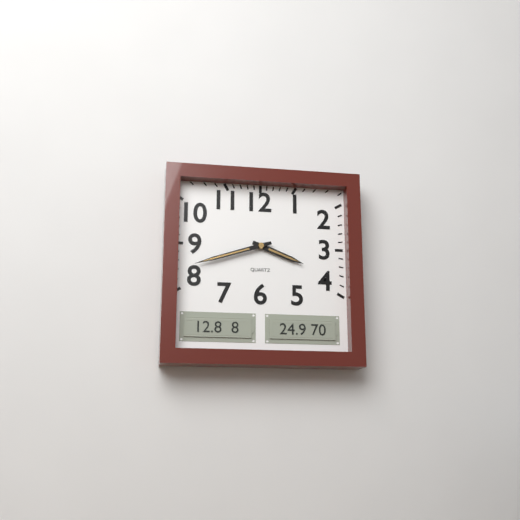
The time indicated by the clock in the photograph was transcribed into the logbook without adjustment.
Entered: 3:42
